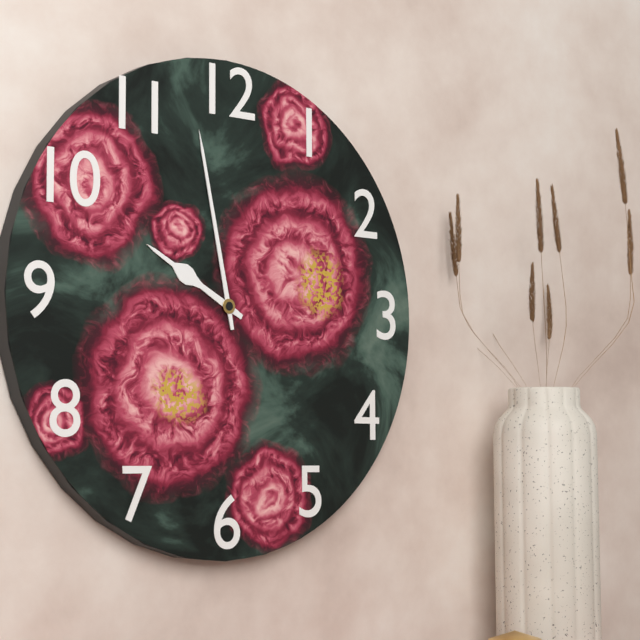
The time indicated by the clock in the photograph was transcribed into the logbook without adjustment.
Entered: 9:58
